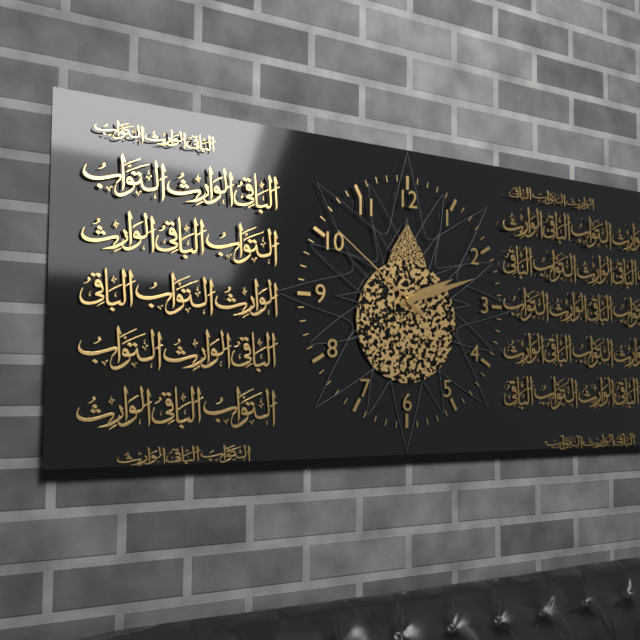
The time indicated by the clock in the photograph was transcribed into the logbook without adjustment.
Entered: 2:12:51
